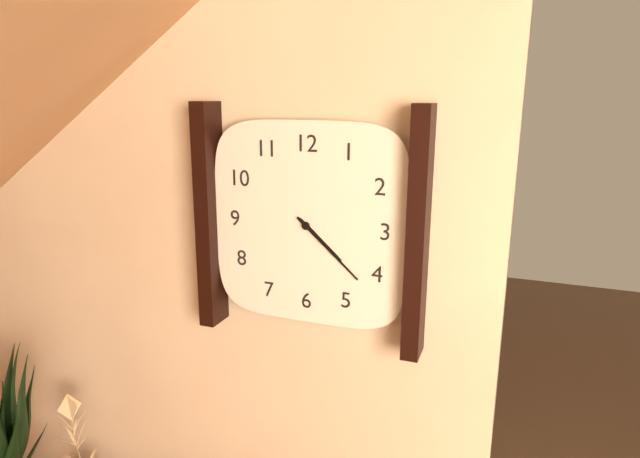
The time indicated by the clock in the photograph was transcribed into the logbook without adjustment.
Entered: 4:22
